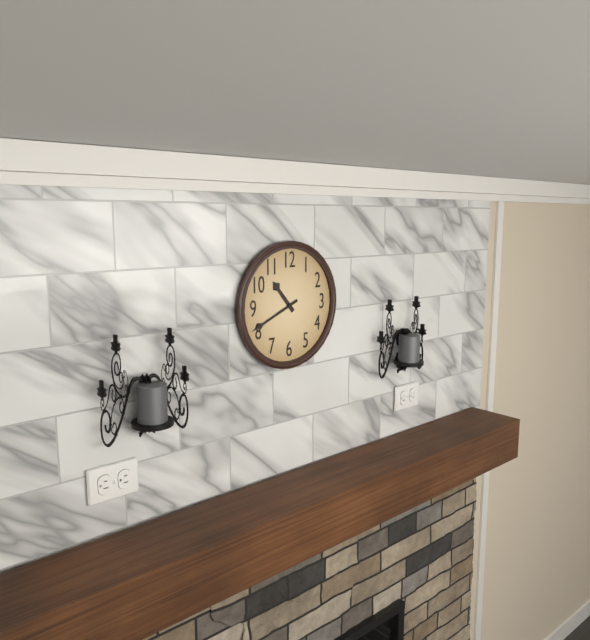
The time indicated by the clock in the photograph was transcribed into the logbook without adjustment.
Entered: 10:41
